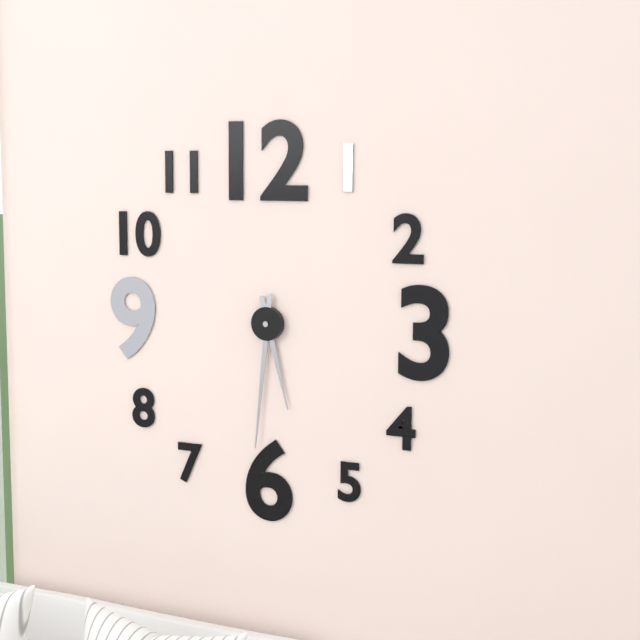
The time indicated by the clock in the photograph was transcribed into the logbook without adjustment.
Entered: 5:31
